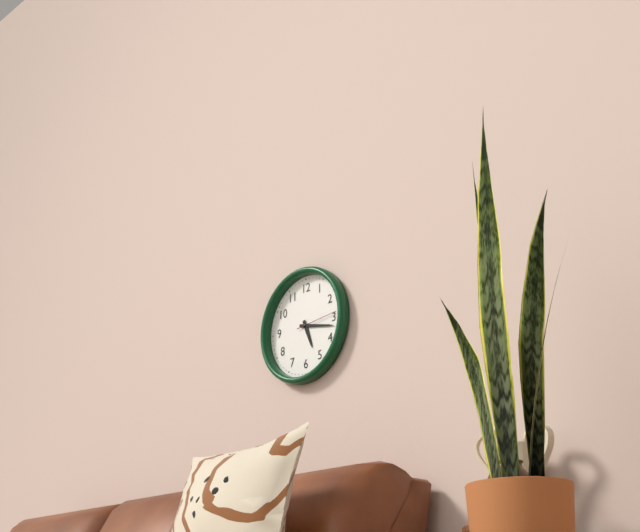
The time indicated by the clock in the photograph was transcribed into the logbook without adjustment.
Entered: 5:17
